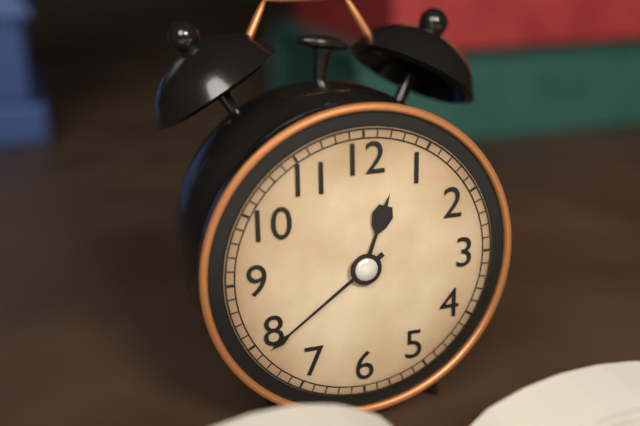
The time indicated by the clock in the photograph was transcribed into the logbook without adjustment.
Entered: 12:39
